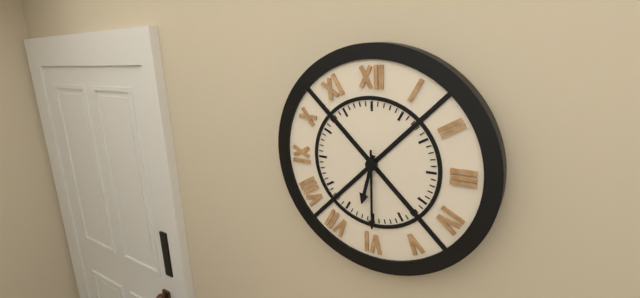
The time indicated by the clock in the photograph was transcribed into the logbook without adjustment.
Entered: 6:30
